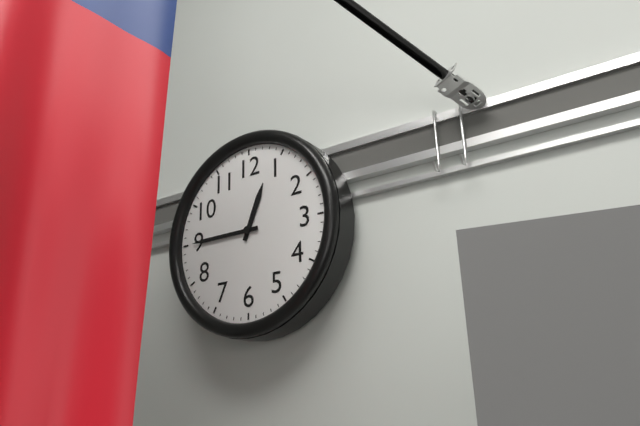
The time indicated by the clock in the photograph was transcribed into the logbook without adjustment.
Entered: 12:45
